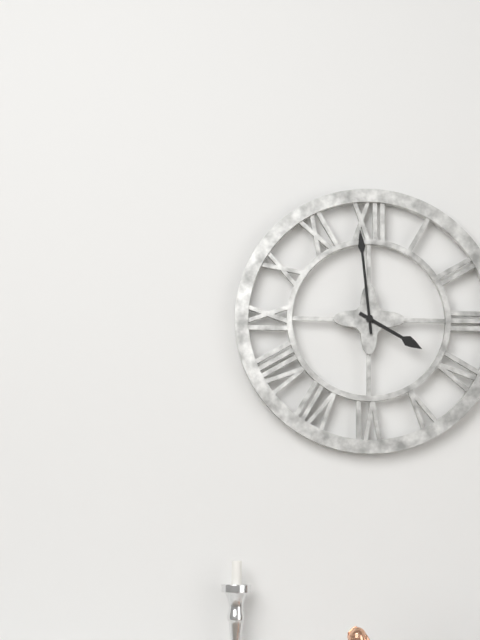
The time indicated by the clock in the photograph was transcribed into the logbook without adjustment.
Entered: 3:59
